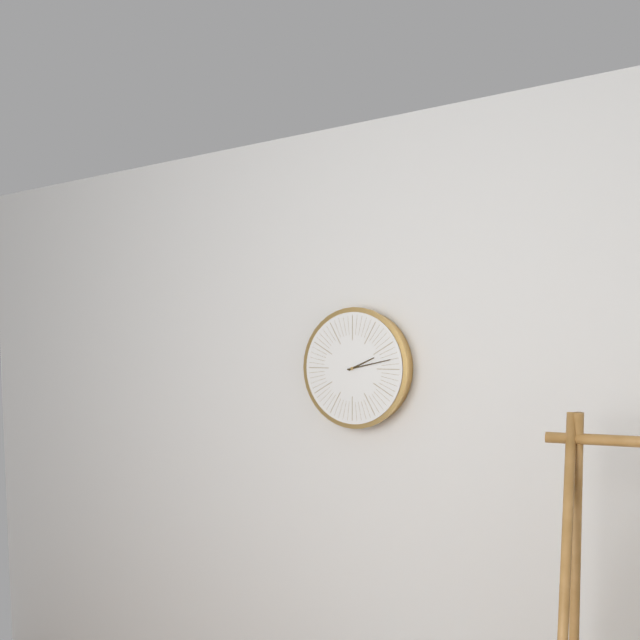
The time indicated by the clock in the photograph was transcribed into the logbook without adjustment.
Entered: 2:13
